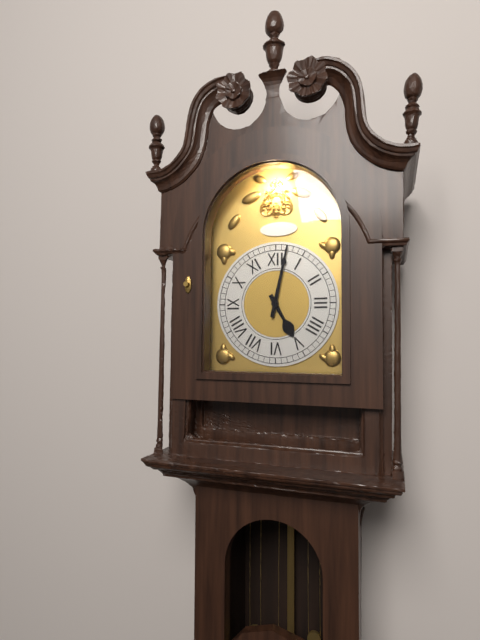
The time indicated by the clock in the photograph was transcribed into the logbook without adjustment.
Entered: 5:02
